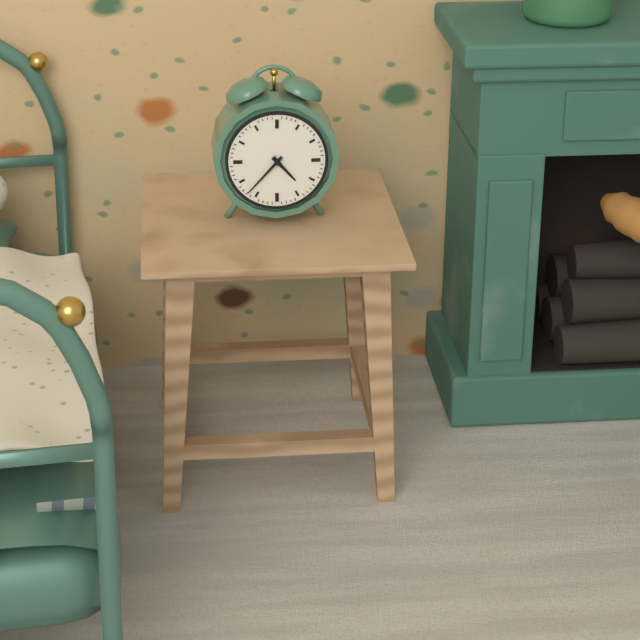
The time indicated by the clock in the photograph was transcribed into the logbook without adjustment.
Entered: 4:37
